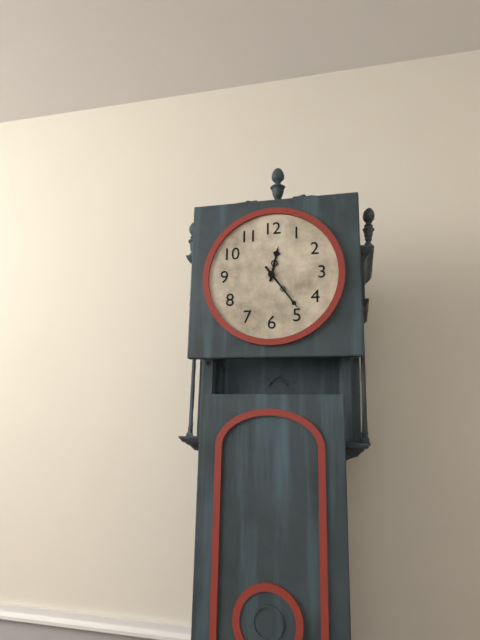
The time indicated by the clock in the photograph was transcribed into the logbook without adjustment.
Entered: 12:24
